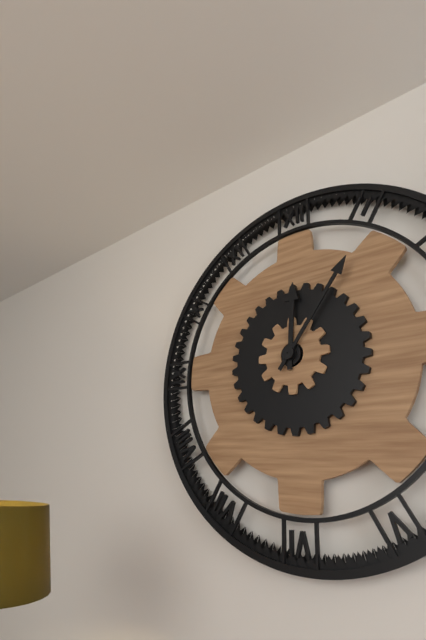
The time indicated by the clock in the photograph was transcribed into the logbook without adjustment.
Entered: 12:06
